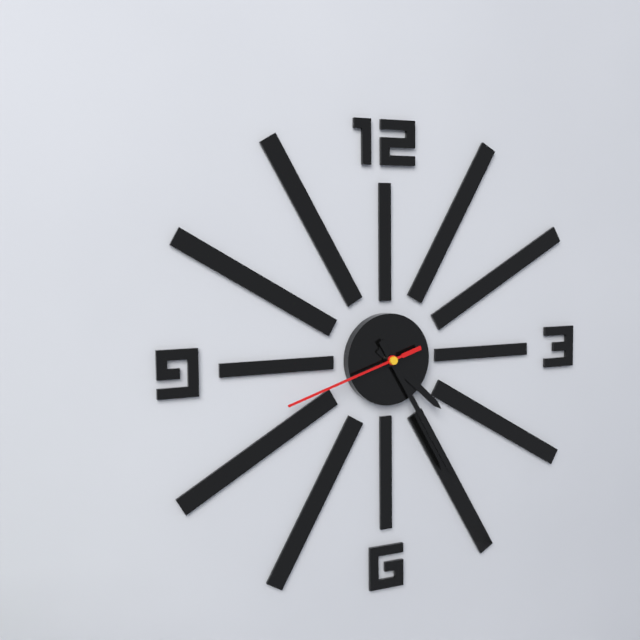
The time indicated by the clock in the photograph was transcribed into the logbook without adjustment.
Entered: 4:25:42
